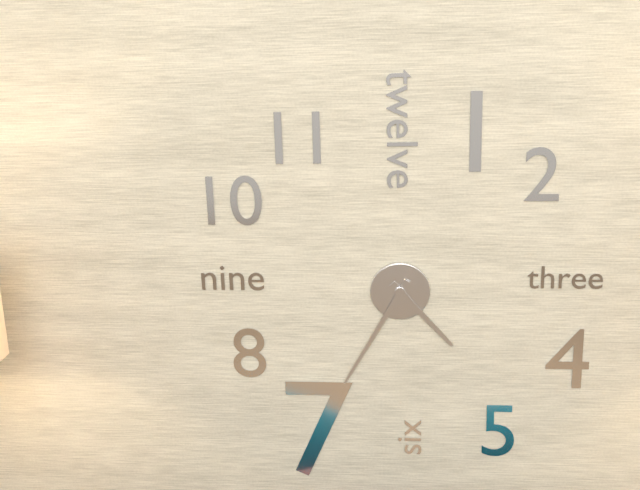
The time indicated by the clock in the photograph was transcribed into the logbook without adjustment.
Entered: 4:35
